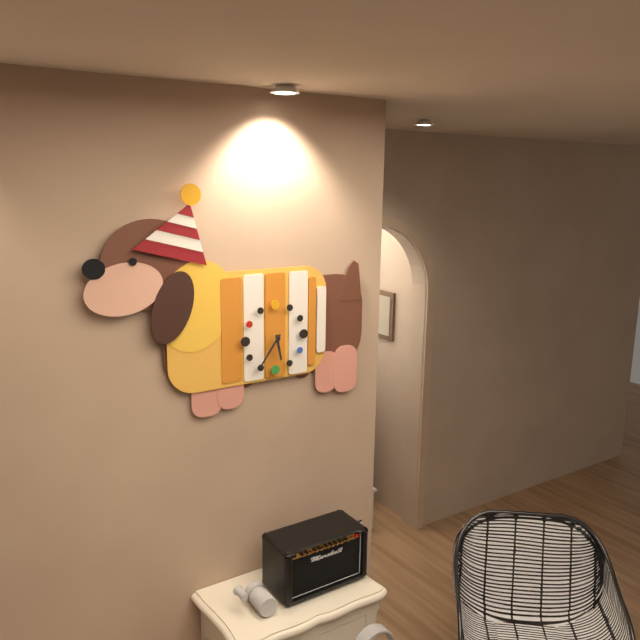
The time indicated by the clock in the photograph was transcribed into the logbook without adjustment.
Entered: 5:36
